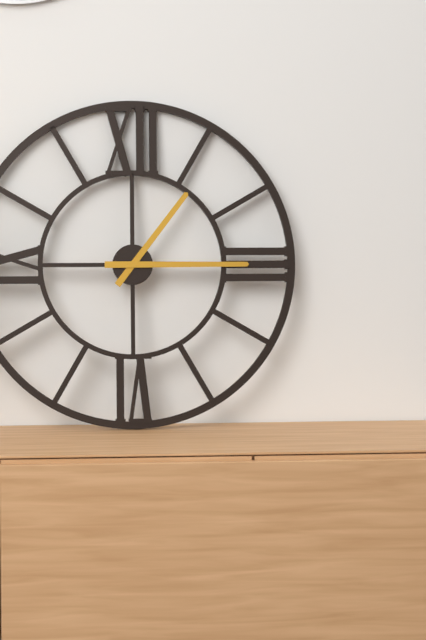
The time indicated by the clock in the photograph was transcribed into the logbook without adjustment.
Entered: 1:15
